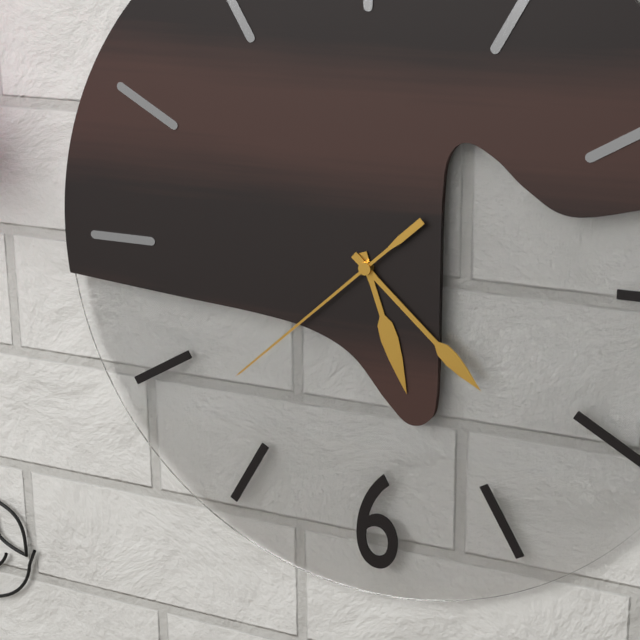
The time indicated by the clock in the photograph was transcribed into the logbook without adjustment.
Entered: 5:22:38
